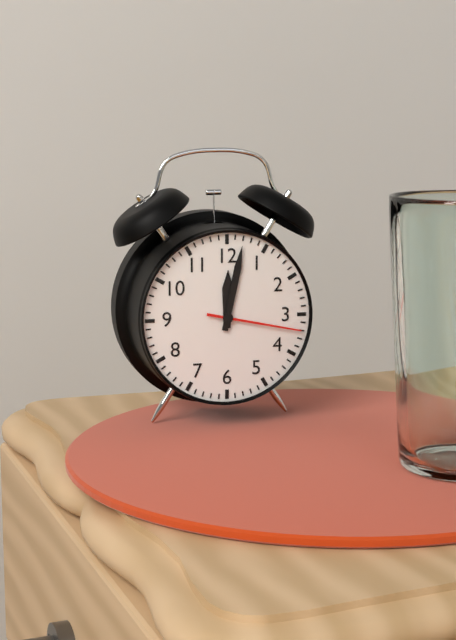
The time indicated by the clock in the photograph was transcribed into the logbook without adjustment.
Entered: 12:02:17
